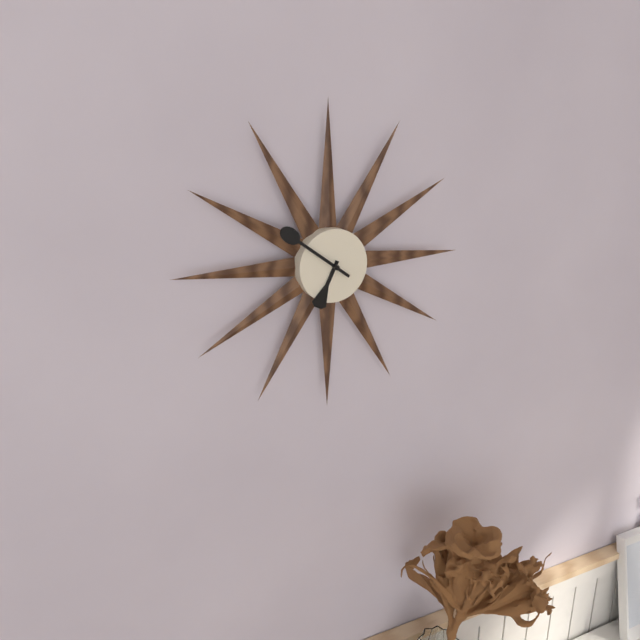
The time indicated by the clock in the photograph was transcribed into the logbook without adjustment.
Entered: 6:51
